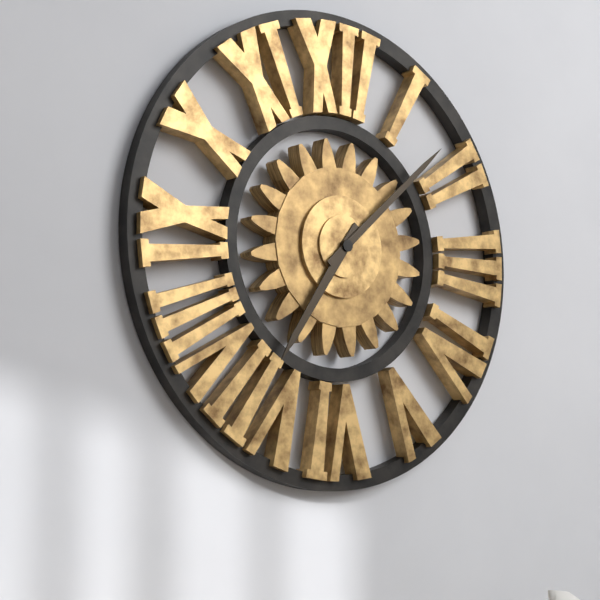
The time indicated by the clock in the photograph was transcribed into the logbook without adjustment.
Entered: 7:08
